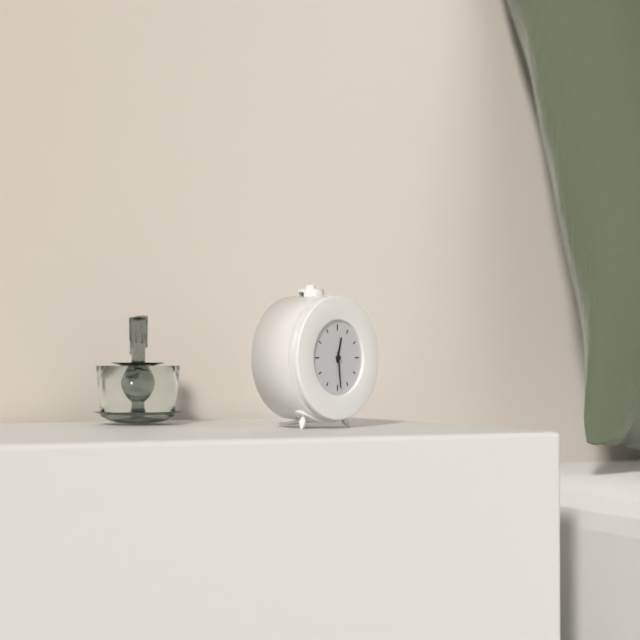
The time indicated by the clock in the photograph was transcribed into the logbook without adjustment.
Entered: 12:29
